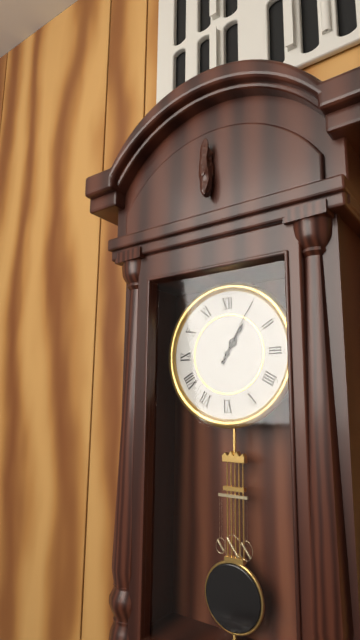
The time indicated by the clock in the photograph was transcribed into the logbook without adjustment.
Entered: 1:05
